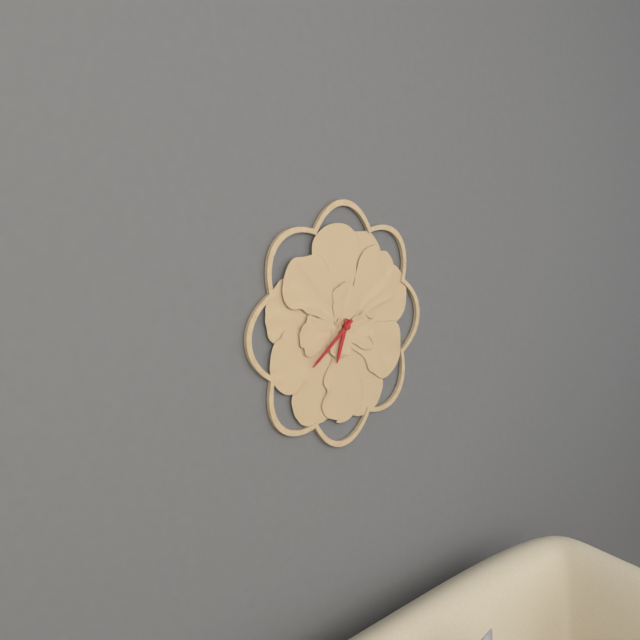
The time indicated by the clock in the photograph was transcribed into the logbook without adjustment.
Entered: 6:39
